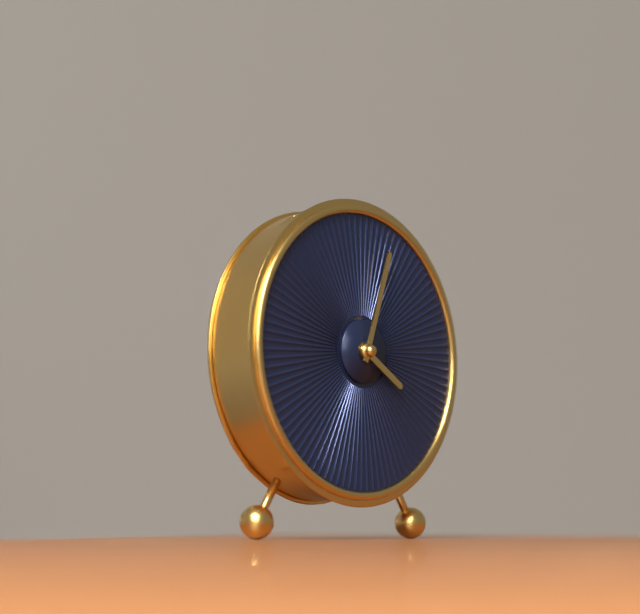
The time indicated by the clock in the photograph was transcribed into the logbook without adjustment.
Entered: 4:03
